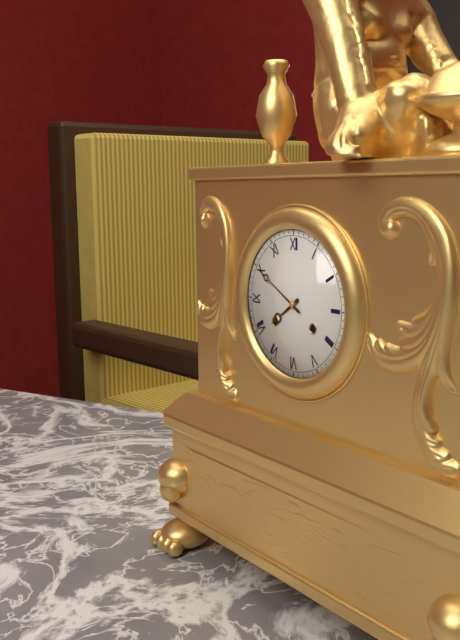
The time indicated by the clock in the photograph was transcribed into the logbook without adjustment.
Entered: 7:50
